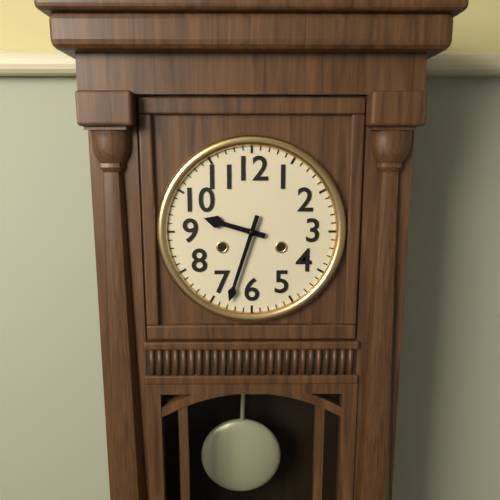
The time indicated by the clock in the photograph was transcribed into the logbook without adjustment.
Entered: 9:33
